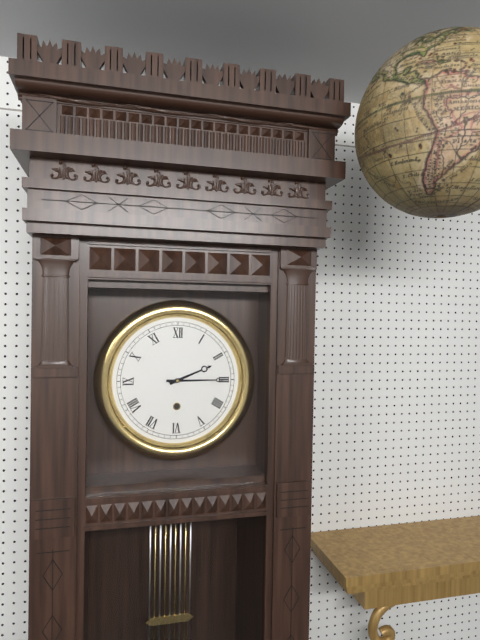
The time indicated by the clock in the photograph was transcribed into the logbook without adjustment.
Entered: 2:15
